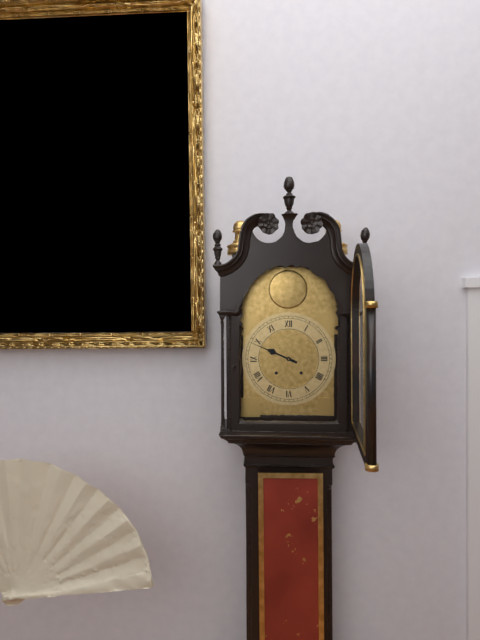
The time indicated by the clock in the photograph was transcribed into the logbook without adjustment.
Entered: 9:49
